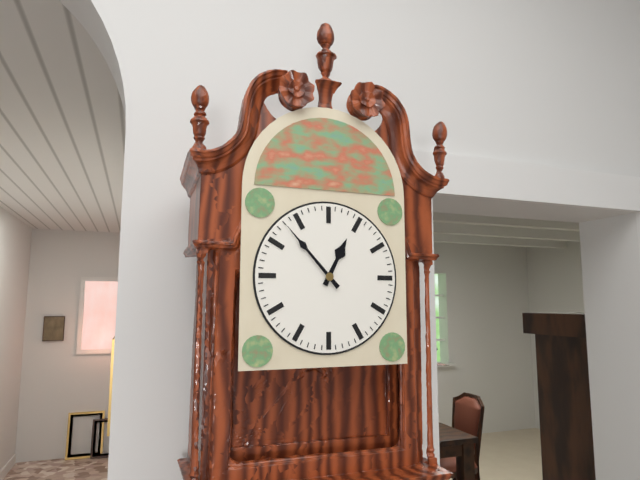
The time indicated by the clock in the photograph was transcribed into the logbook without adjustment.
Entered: 12:53
